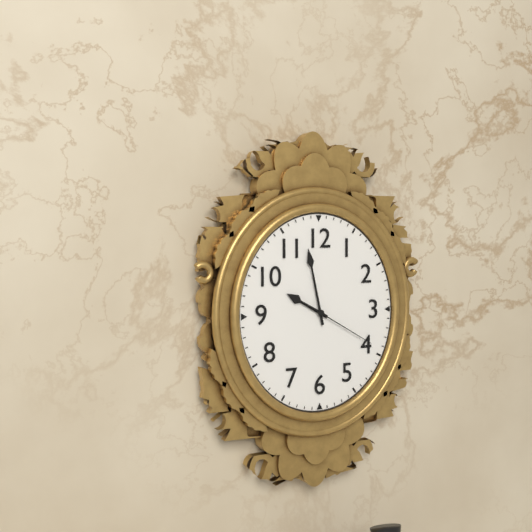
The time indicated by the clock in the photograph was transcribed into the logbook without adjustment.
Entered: 9:58:20
